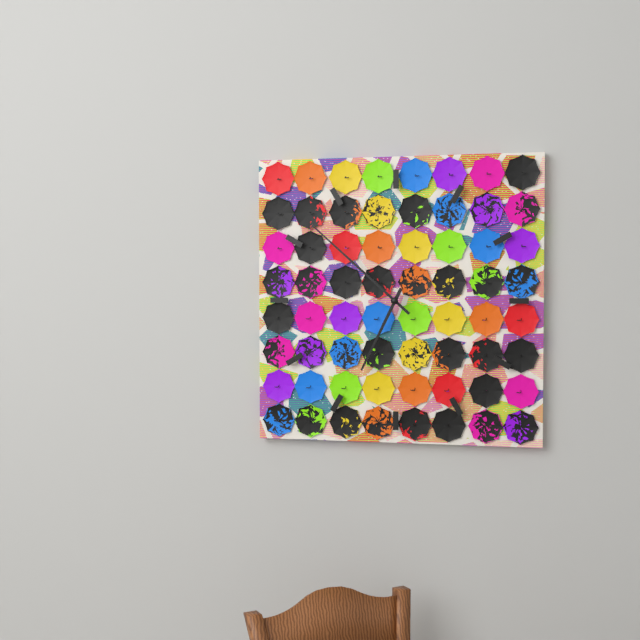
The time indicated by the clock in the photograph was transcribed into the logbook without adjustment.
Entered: 6:52
